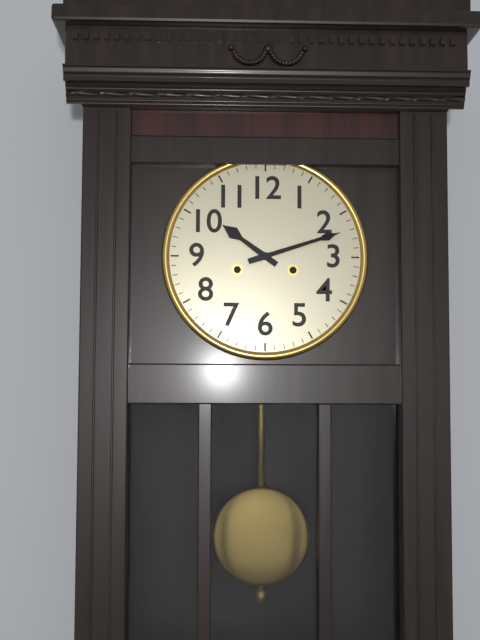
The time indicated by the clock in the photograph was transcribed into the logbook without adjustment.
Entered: 10:12
